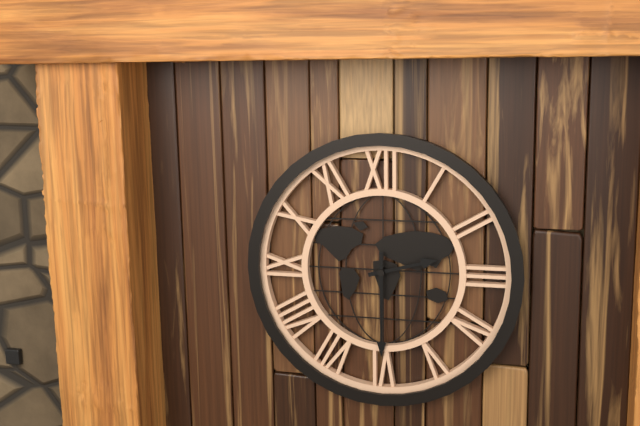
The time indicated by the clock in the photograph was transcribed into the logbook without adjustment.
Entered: 2:30
